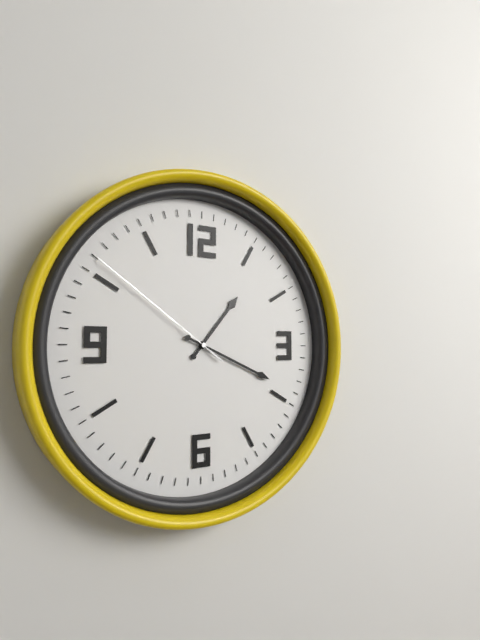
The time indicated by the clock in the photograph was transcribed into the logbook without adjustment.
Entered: 1:19:51
